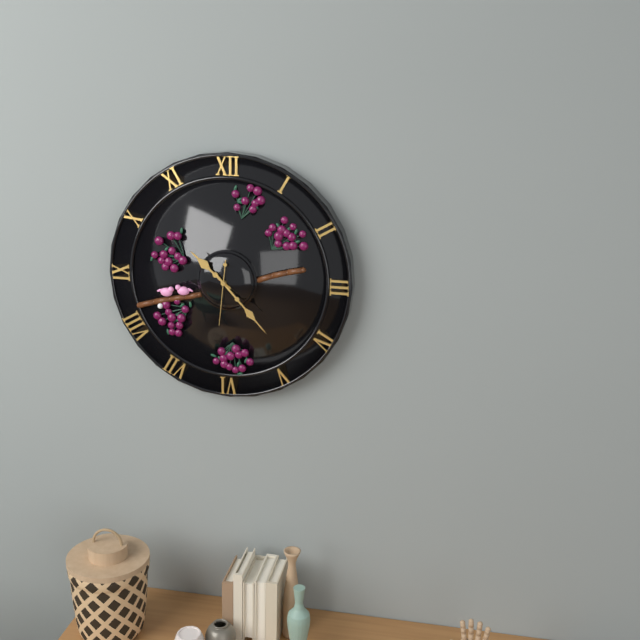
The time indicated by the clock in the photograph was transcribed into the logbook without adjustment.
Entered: 10:23:31
